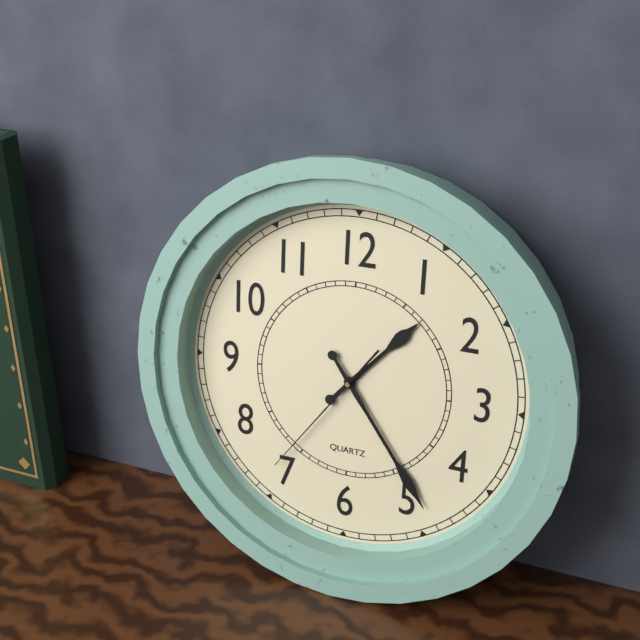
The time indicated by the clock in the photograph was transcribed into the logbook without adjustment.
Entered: 1:24:36
